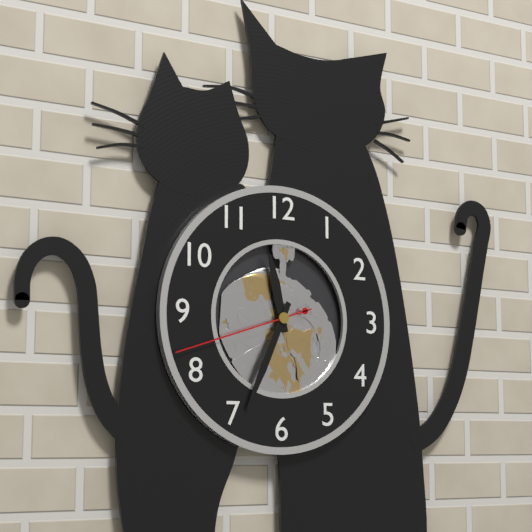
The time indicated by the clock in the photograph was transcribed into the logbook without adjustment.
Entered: 11:34:42
